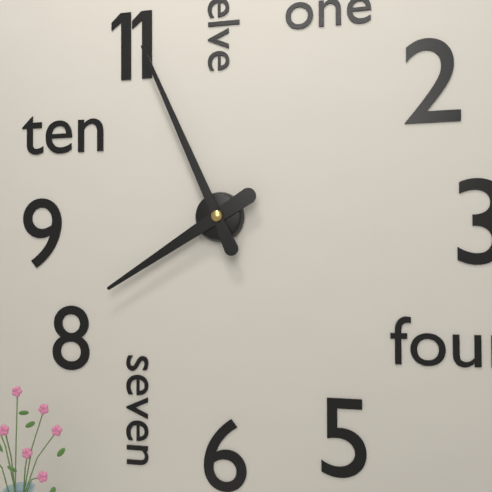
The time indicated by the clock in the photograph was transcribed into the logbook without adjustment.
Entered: 7:56
